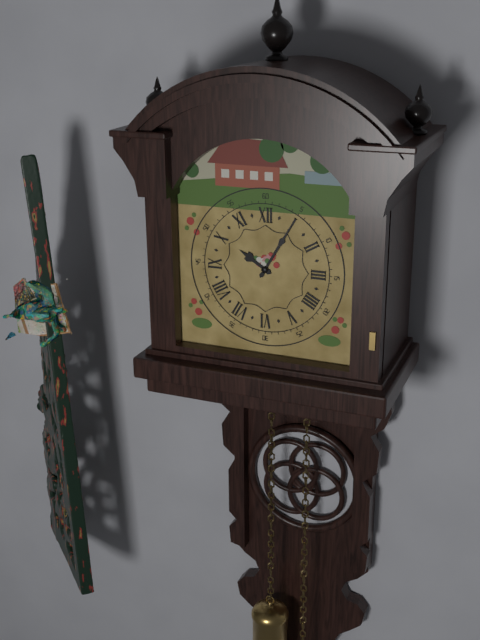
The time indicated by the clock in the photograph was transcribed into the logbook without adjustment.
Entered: 10:05
